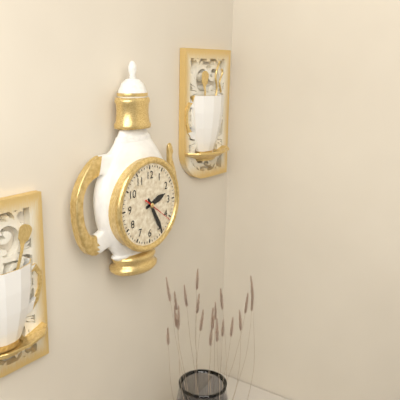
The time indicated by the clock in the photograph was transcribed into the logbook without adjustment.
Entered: 2:25
